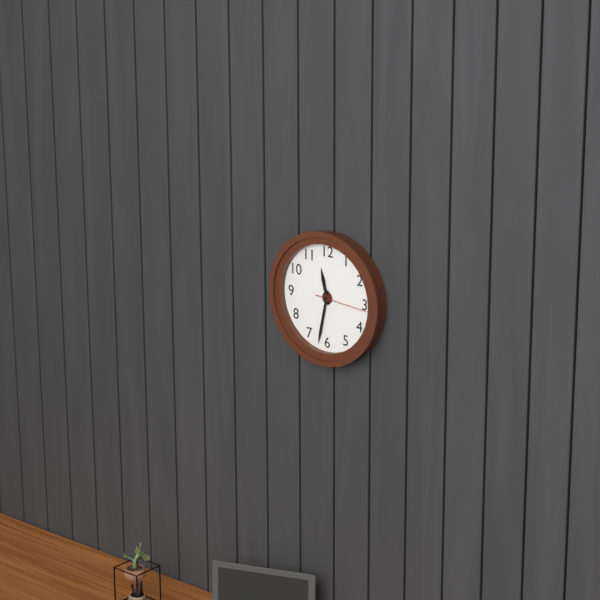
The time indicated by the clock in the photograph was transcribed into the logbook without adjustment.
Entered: 11:32:16
